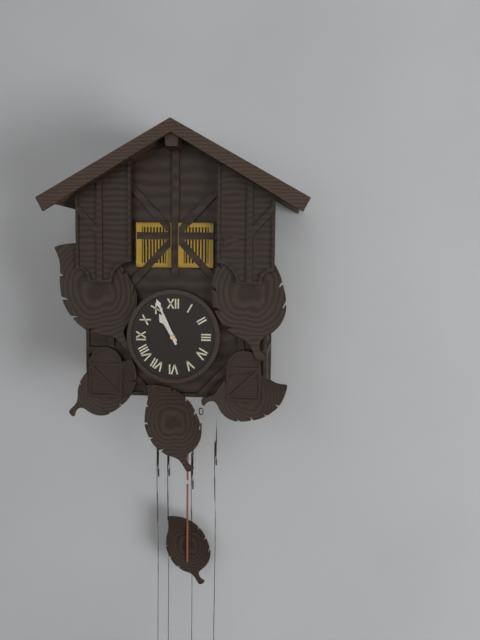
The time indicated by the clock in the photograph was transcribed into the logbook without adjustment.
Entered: 10:56
